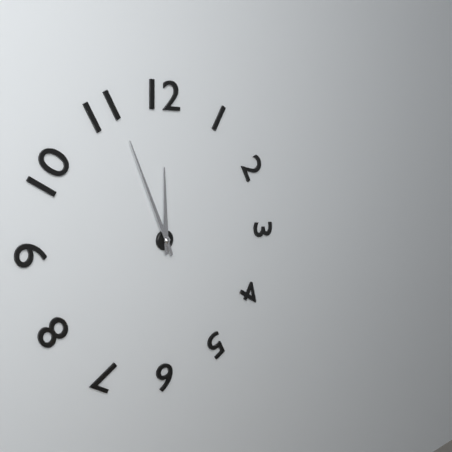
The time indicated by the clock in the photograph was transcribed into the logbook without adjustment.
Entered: 11:56
